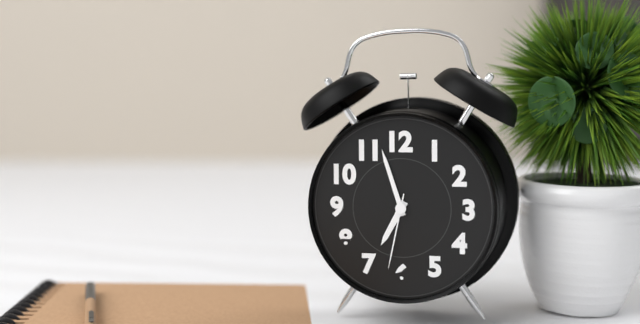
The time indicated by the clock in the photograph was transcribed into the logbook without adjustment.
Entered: 6:57:32
